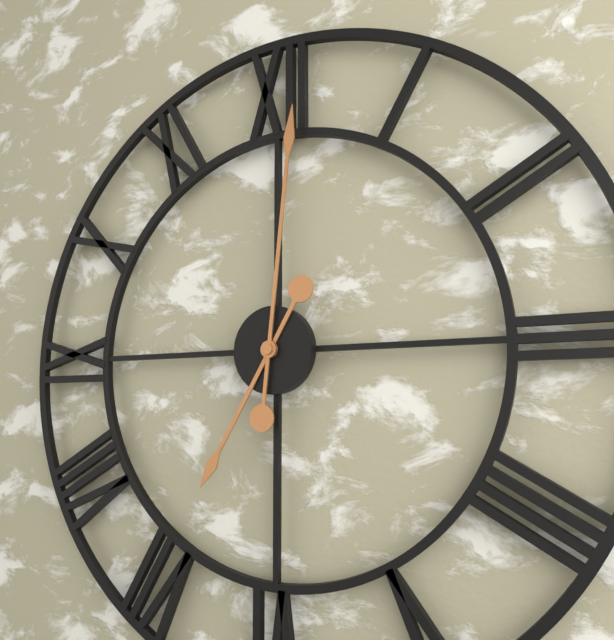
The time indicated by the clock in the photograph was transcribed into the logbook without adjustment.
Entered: 7:01
